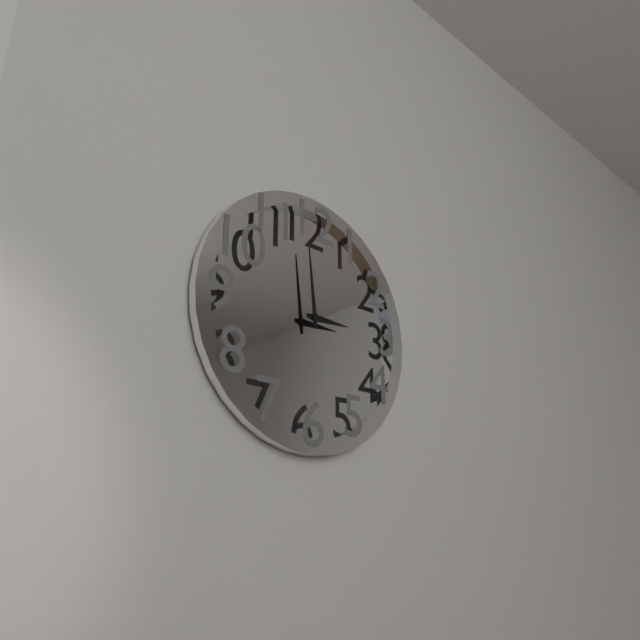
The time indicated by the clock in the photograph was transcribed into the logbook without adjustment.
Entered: 2:59
